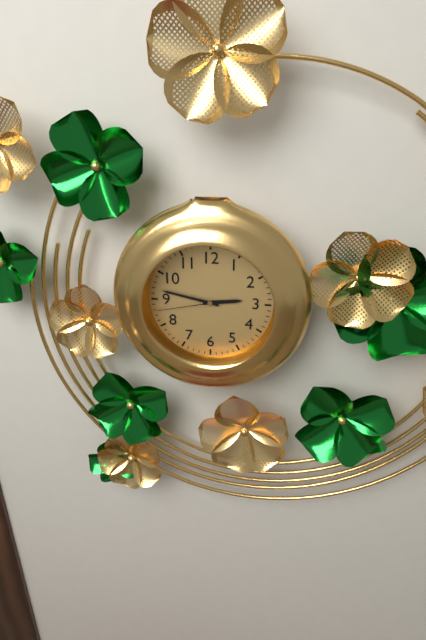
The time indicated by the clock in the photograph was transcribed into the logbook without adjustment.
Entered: 2:47:43
